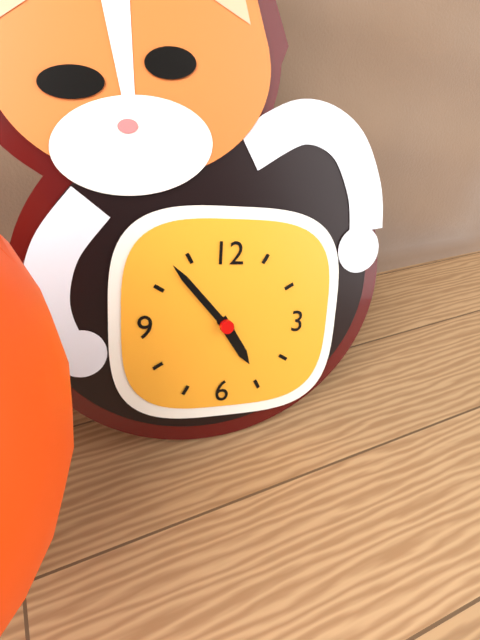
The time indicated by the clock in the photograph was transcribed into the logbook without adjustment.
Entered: 4:53
